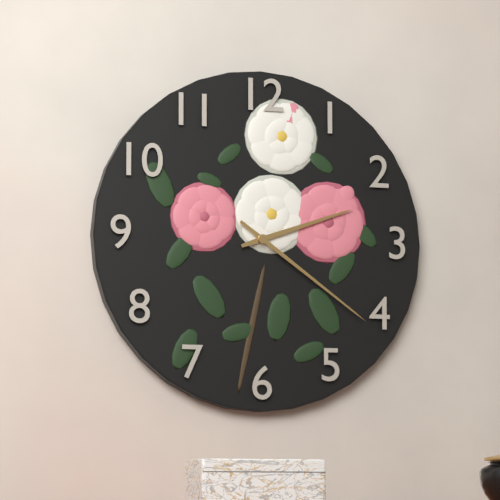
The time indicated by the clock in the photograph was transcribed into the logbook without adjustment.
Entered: 2:21
